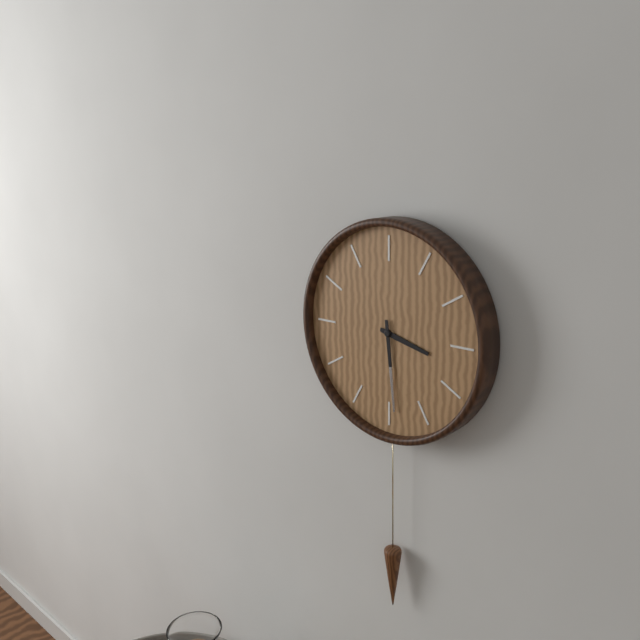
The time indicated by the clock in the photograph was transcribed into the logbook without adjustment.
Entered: 3:29
